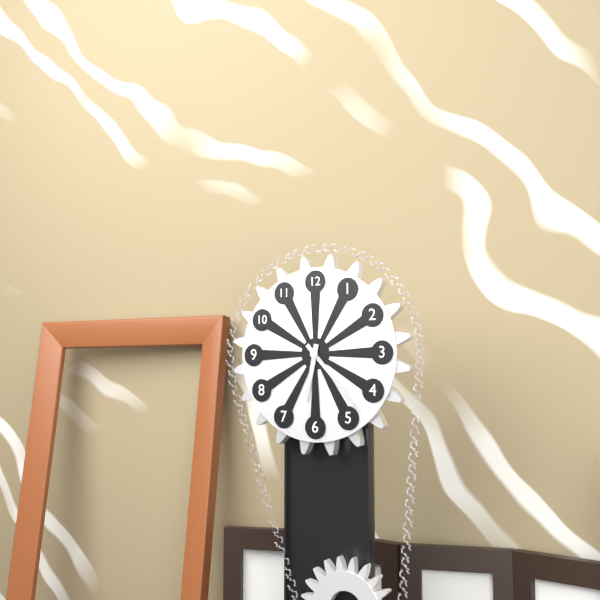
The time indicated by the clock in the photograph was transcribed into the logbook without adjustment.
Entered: 6:23
